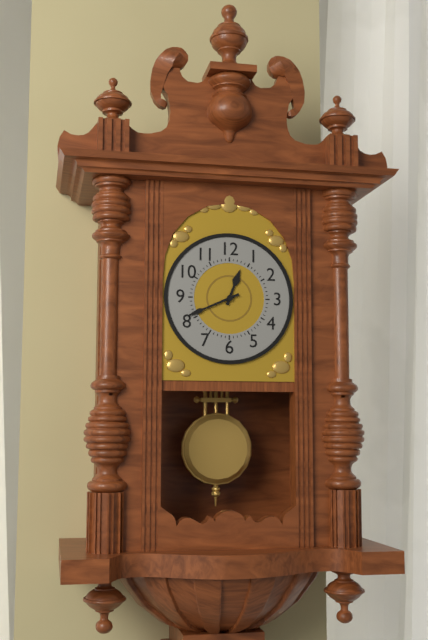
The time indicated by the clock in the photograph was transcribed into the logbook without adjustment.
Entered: 12:41
